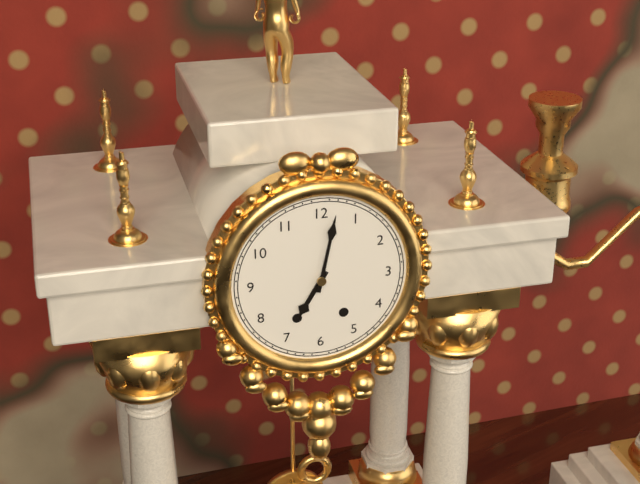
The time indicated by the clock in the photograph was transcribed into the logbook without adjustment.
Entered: 7:02
